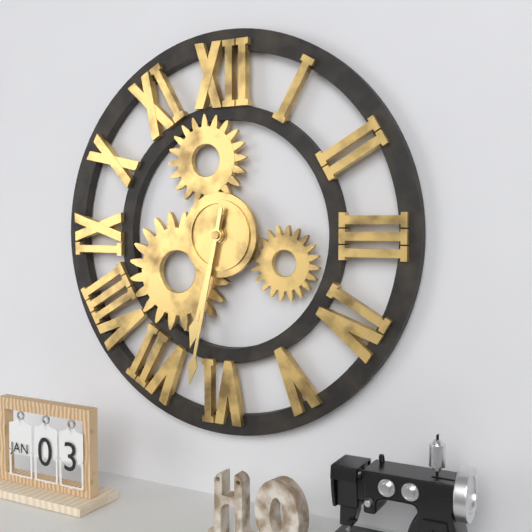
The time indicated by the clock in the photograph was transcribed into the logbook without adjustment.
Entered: 6:32
